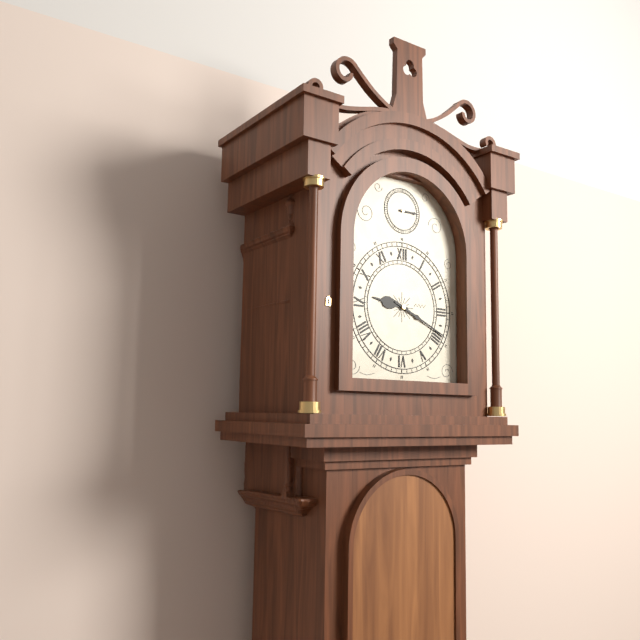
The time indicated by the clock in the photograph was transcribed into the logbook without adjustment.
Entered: 9:19
